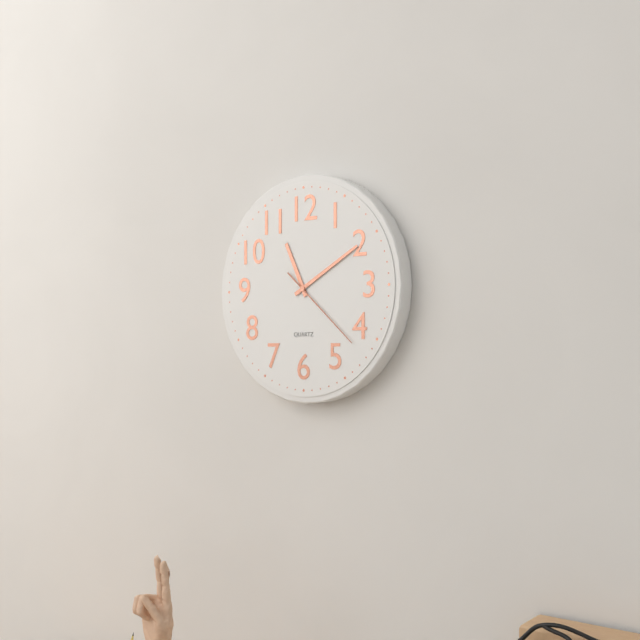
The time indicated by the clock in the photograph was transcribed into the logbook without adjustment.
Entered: 11:10:22
